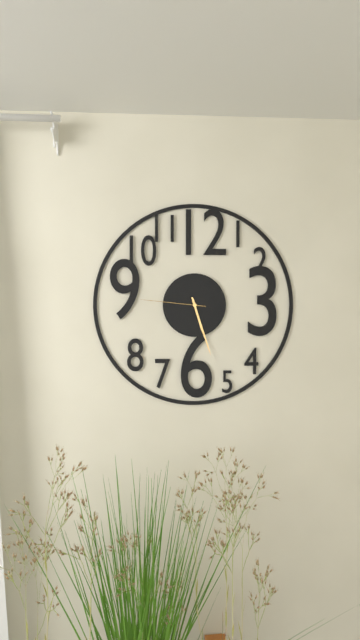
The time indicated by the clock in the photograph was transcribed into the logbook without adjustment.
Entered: 5:27:46
